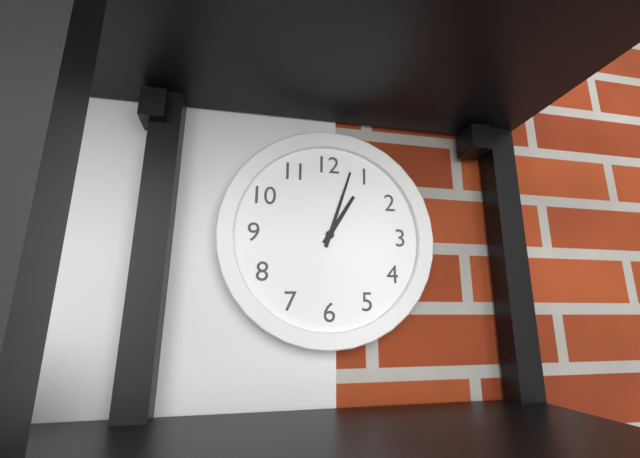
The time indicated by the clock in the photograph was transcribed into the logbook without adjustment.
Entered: 1:03
